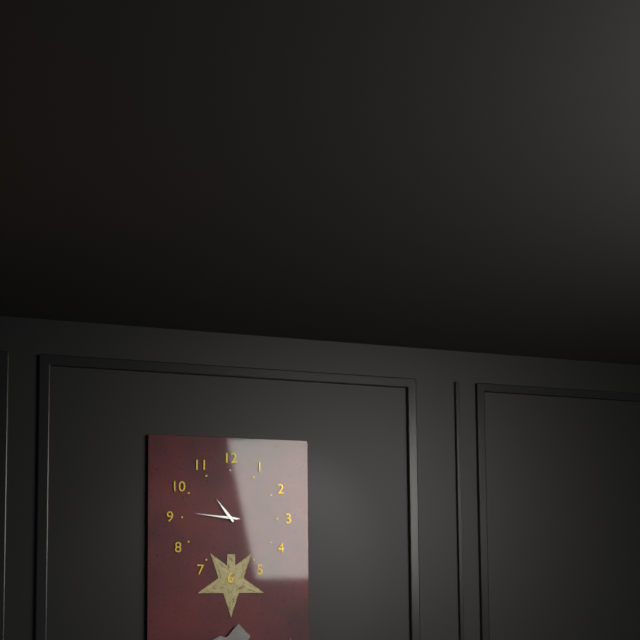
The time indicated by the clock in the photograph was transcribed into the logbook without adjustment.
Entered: 10:46
